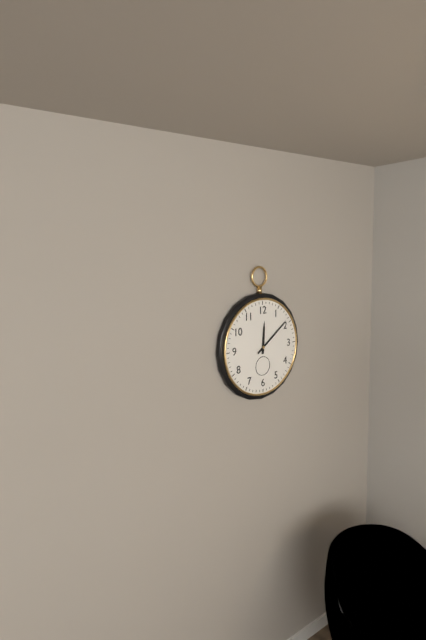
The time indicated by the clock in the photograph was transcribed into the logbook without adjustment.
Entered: 12:09
